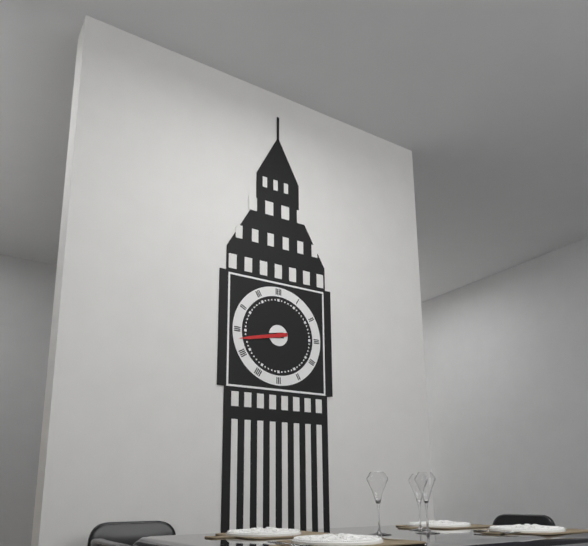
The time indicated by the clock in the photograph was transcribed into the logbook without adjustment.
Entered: 8:43
